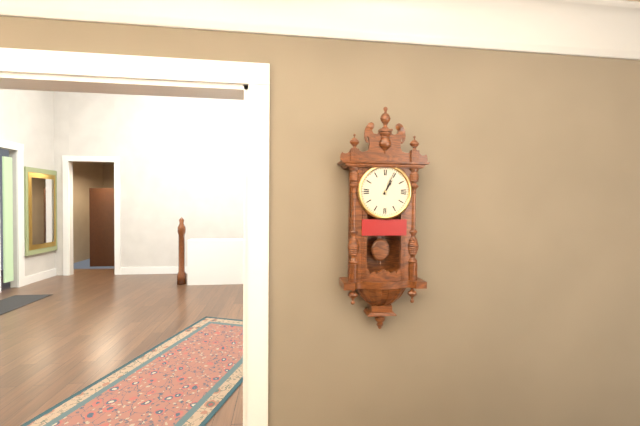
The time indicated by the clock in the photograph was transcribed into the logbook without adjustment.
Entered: 1:04
